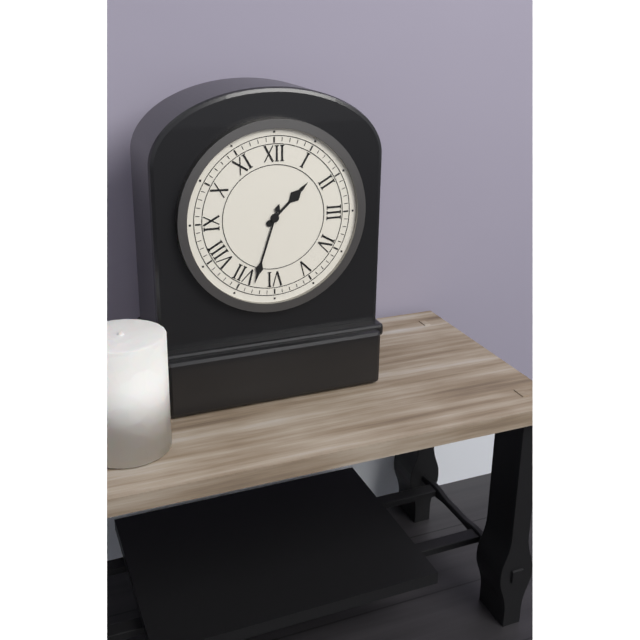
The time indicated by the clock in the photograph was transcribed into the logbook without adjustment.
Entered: 1:33
